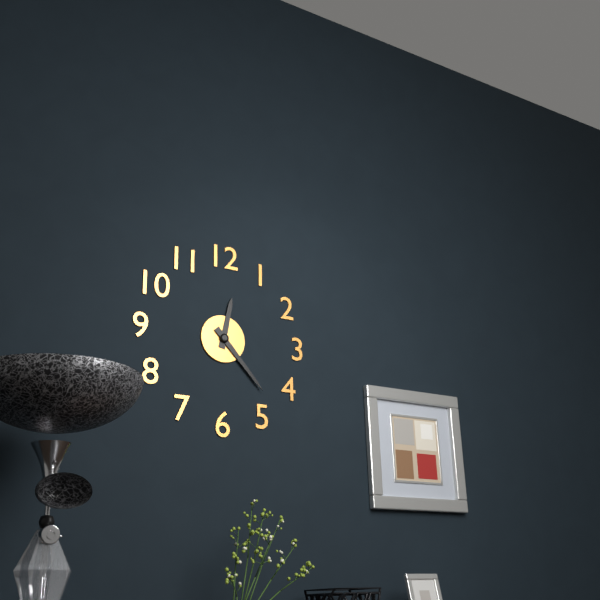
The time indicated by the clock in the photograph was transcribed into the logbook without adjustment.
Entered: 12:23
